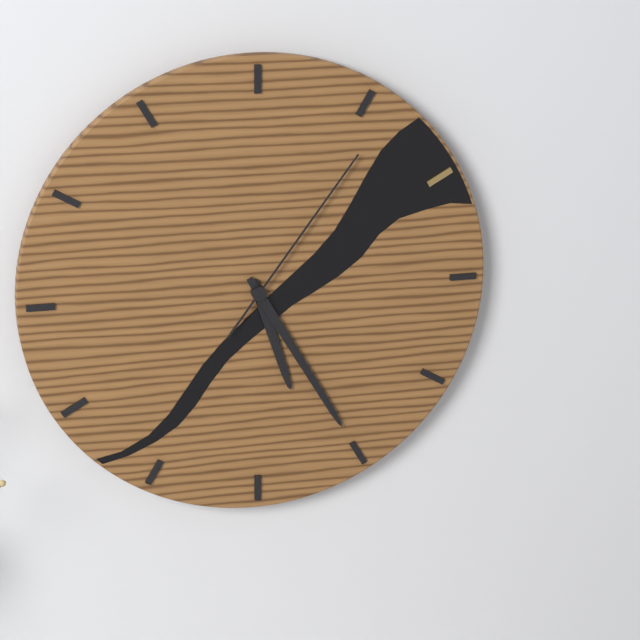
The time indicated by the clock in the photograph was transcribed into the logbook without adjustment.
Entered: 5:25:06
